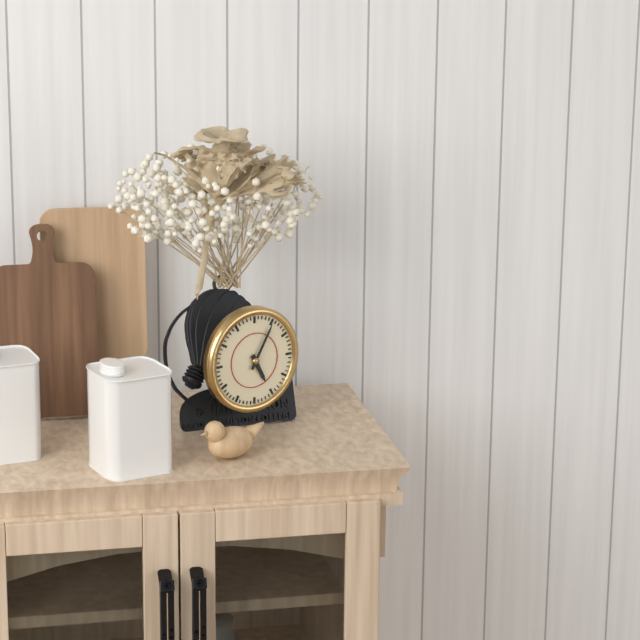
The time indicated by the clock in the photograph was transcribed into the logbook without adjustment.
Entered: 5:05
